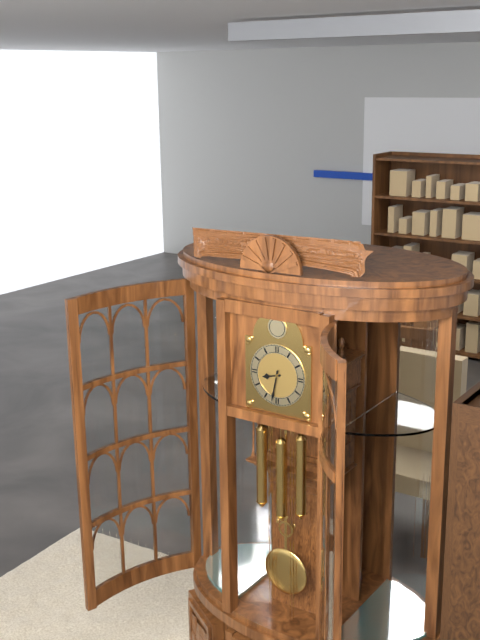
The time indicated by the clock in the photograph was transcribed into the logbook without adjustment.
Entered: 8:32
